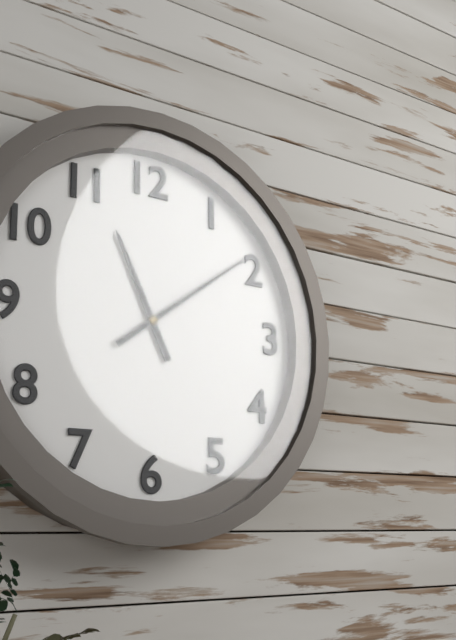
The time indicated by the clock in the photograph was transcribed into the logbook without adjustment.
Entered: 11:09
